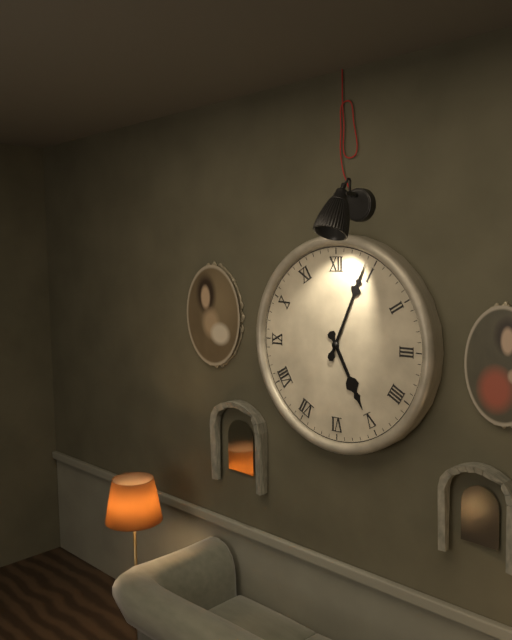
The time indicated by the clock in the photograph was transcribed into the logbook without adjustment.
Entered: 5:04
